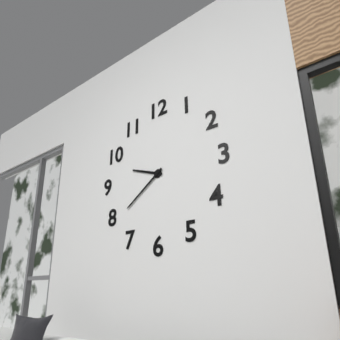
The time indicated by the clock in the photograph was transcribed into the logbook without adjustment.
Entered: 9:39
